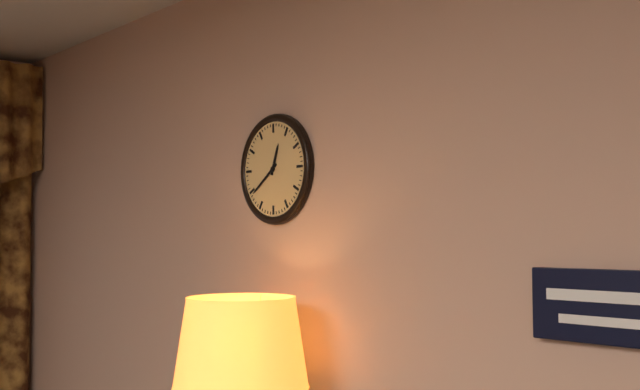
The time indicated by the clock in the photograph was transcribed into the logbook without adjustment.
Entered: 12:39
